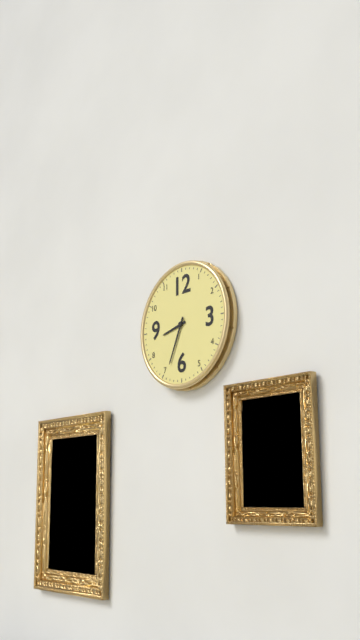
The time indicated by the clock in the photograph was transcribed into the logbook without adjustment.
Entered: 8:34
